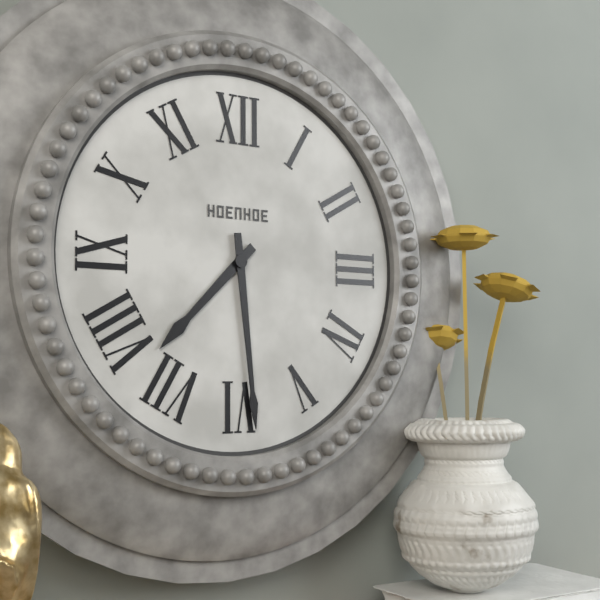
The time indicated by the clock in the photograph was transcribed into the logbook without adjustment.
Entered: 7:29
